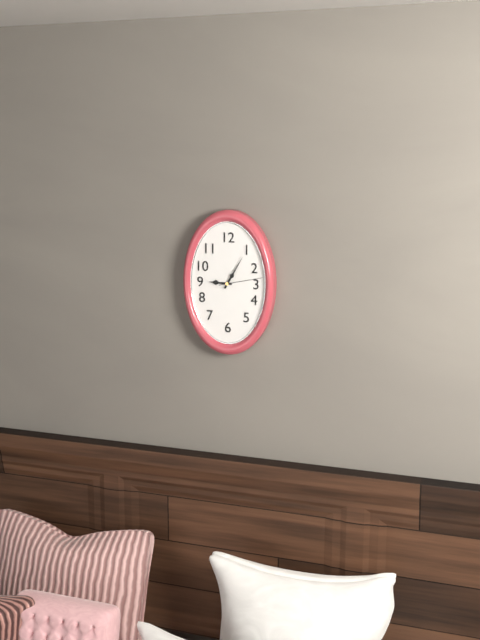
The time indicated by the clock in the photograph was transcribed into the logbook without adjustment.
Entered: 9:05
